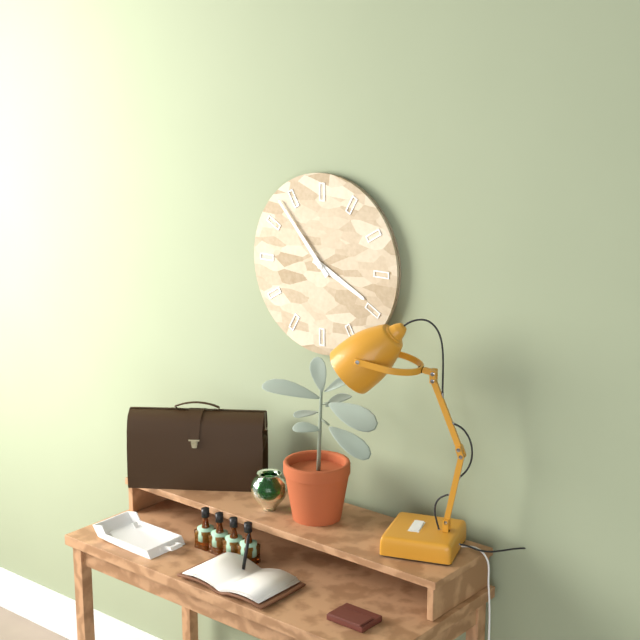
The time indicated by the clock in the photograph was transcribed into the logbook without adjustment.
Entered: 3:53
